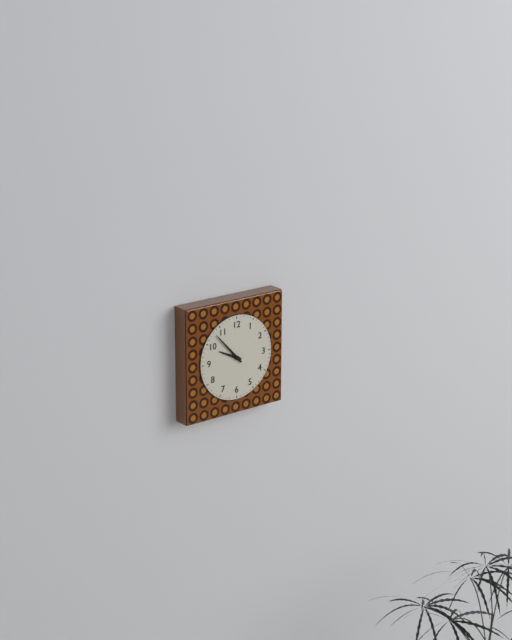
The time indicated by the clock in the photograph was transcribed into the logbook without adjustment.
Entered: 9:53
